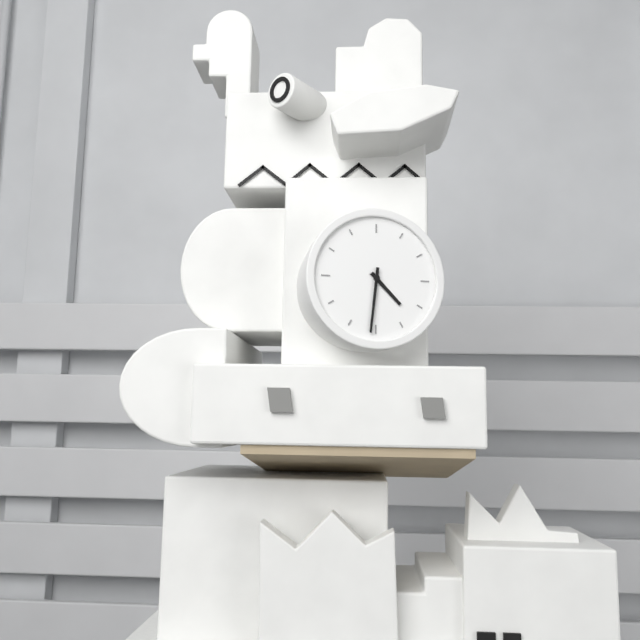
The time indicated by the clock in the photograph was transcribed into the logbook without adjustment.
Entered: 4:31
